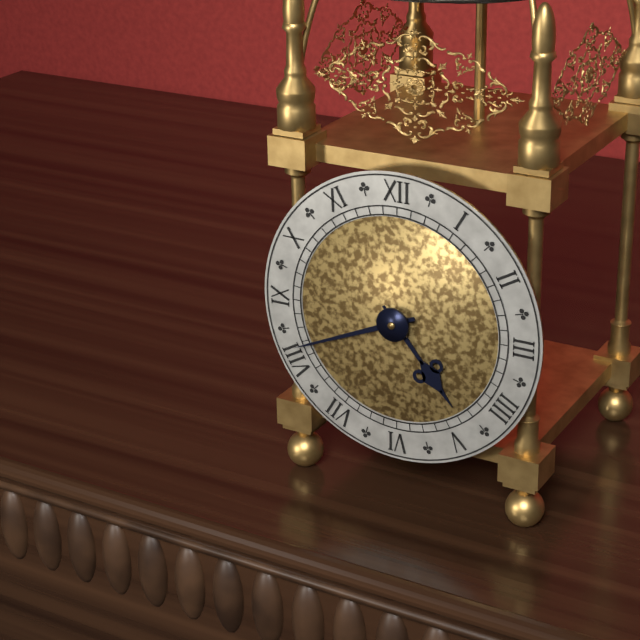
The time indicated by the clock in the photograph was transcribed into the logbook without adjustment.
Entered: 4:41
